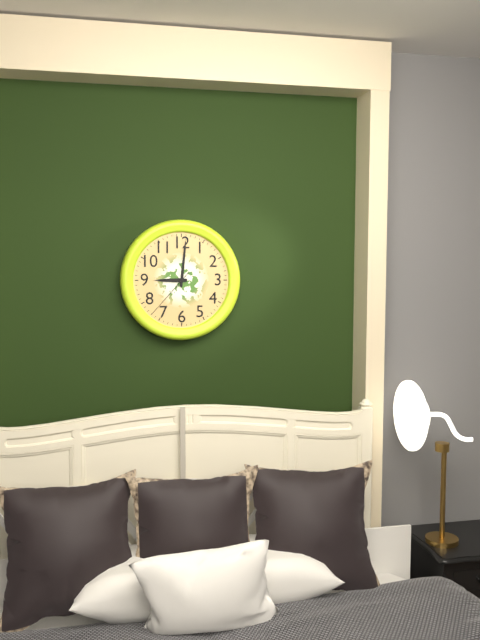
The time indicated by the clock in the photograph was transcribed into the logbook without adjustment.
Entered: 9:01:37
